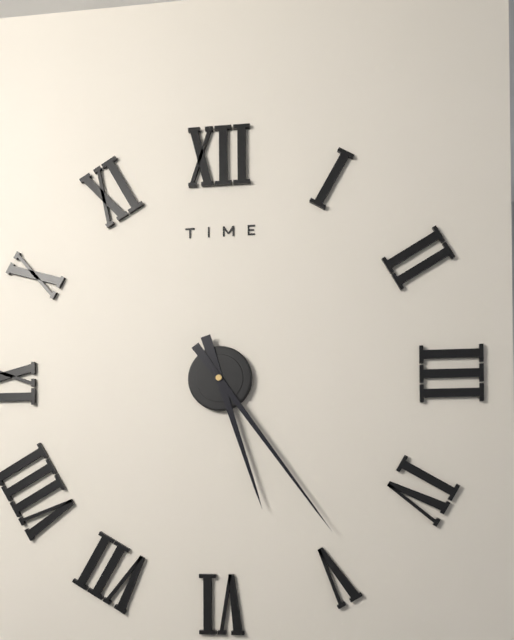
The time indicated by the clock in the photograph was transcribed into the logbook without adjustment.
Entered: 5:24
